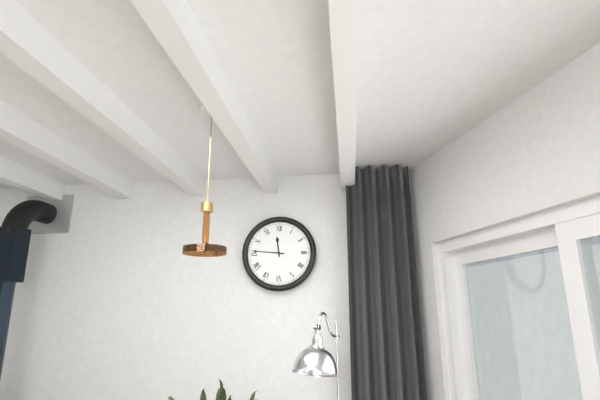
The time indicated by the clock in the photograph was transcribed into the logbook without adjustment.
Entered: 11:46
